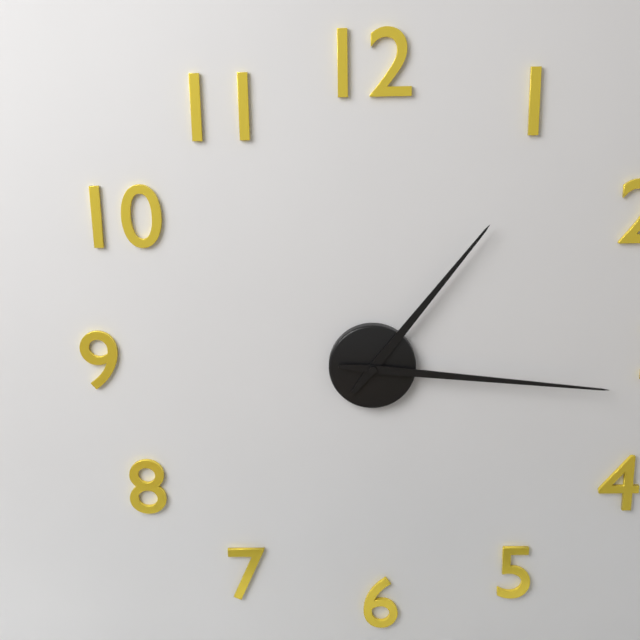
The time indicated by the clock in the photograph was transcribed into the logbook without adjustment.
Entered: 1:16
